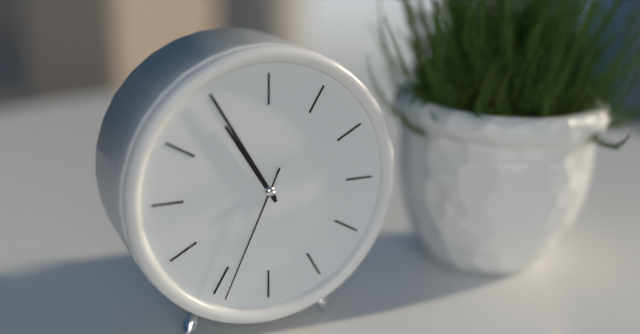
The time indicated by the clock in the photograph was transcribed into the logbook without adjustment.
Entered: 10:55:34
